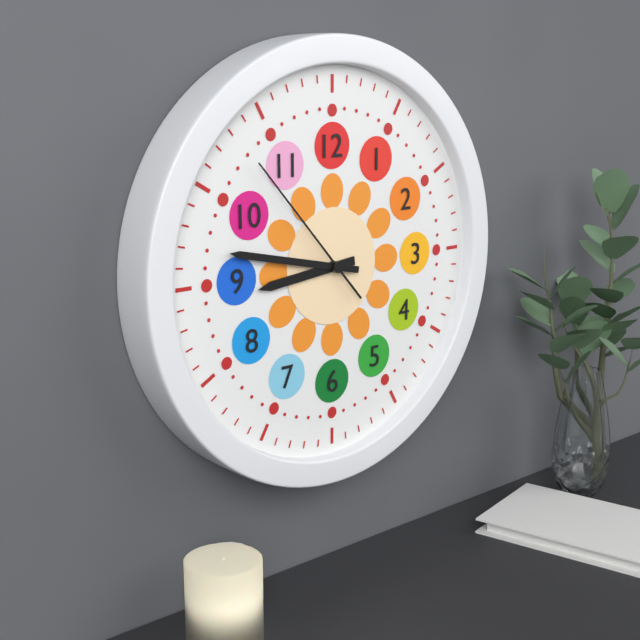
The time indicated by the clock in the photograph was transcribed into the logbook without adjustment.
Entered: 8:47:53
